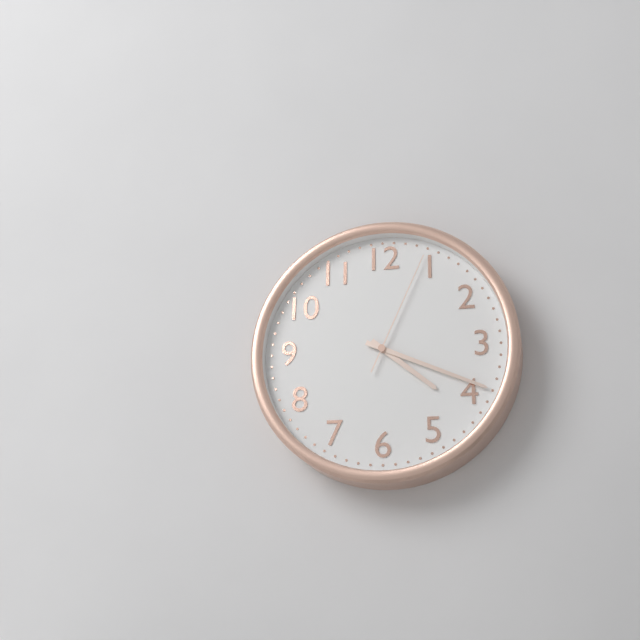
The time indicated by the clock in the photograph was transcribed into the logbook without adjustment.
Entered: 4:19:04
